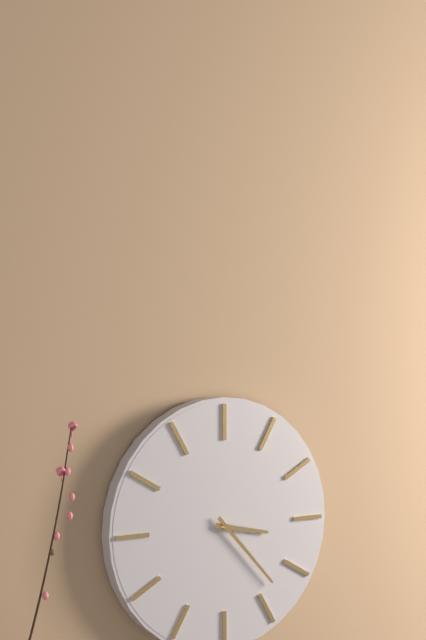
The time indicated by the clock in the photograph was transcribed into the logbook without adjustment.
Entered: 3:23
